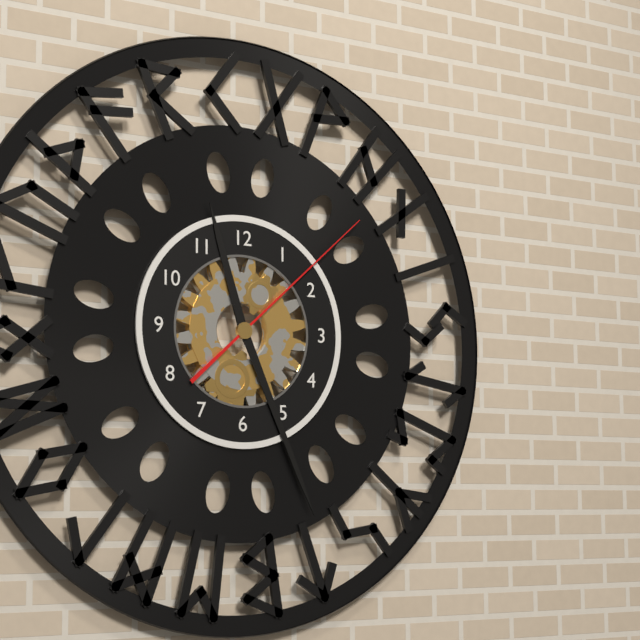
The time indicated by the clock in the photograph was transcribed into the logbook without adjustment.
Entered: 11:26:08
